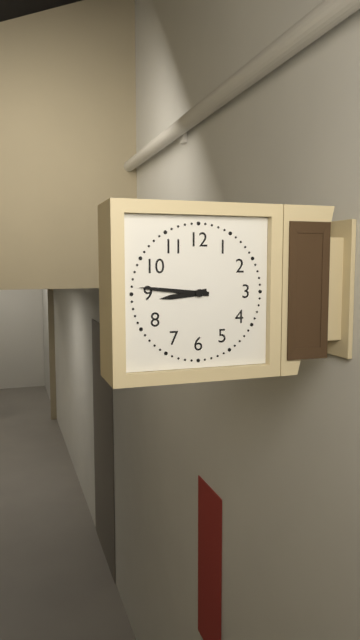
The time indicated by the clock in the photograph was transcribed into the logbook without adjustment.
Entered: 8:46
